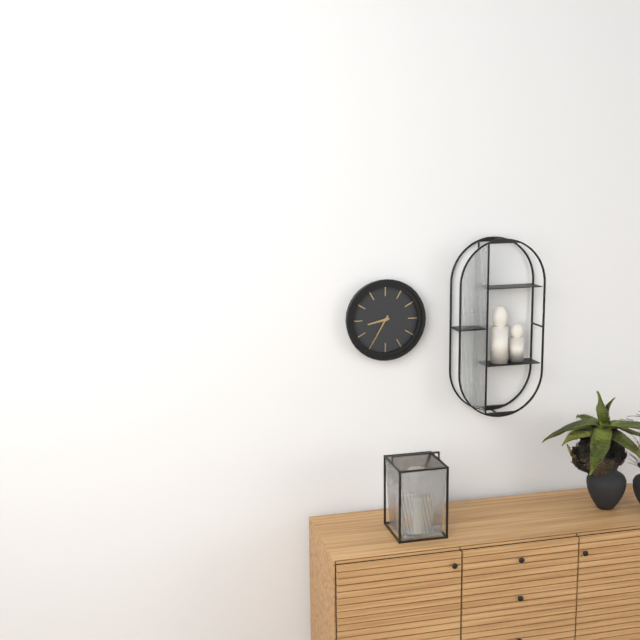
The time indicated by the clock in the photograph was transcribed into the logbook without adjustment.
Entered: 8:35
